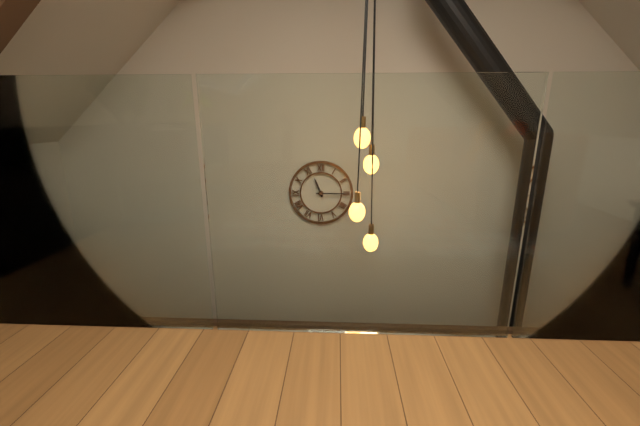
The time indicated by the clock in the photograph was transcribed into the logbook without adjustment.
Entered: 11:15
